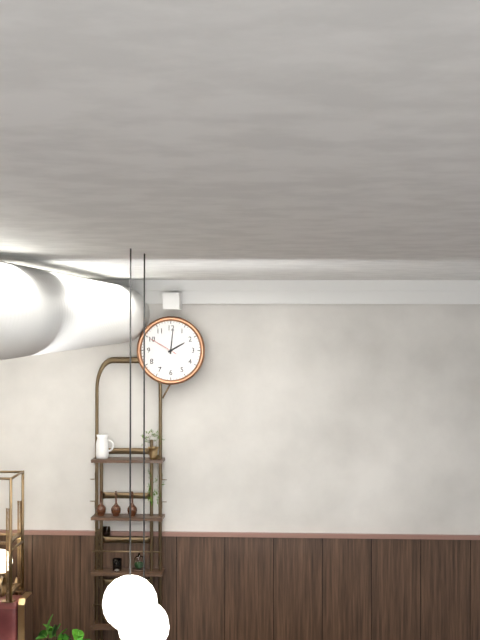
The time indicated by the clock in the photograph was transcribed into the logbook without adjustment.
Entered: 2:01
